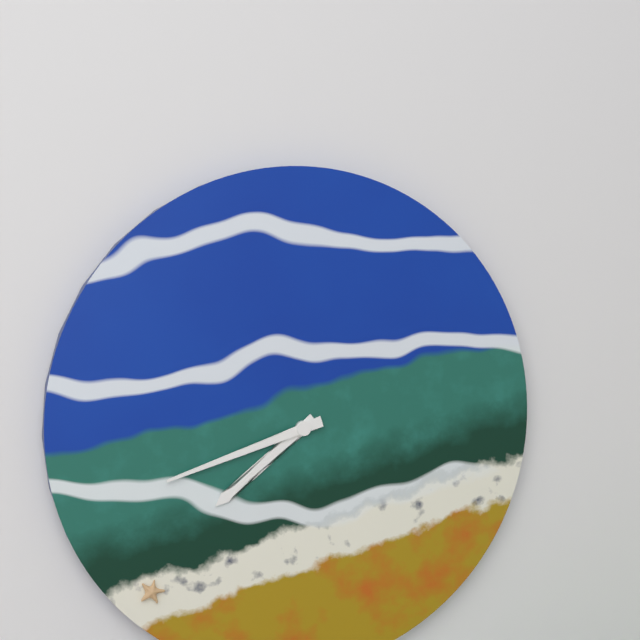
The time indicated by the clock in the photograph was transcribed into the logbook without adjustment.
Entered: 7:42
